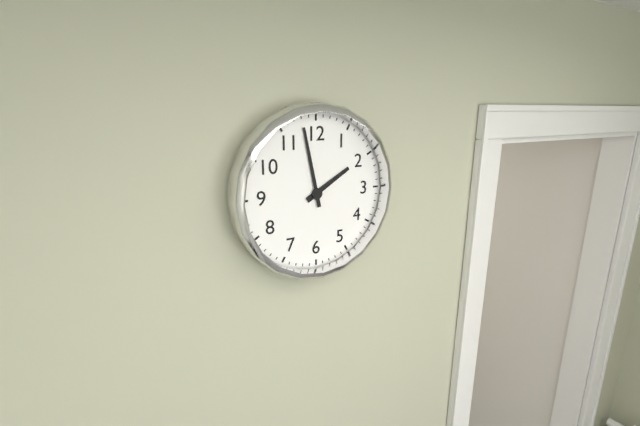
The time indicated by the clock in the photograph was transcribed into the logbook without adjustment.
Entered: 1:58
